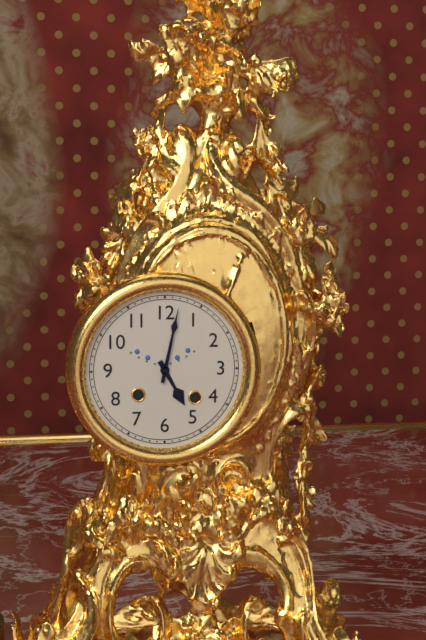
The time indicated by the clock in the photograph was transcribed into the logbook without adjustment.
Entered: 5:02
